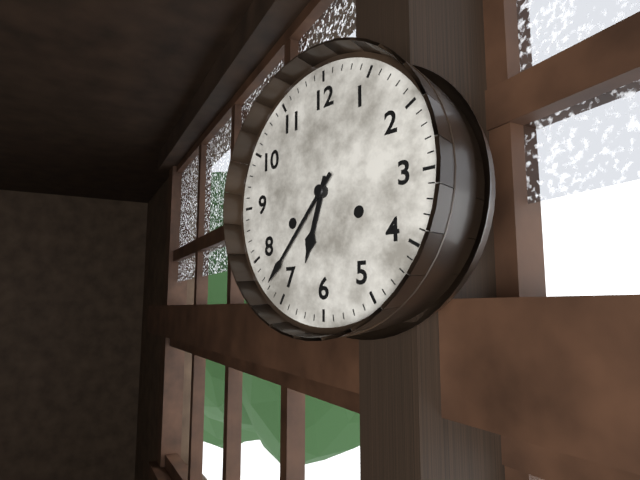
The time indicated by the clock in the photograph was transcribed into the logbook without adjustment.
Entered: 6:37
